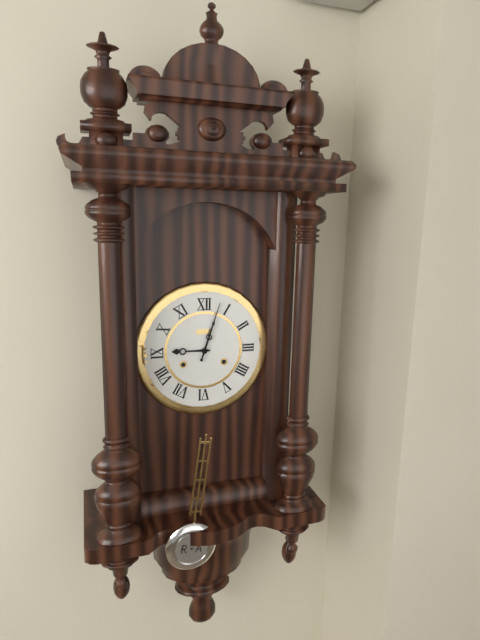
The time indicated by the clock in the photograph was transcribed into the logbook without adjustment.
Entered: 9:03
